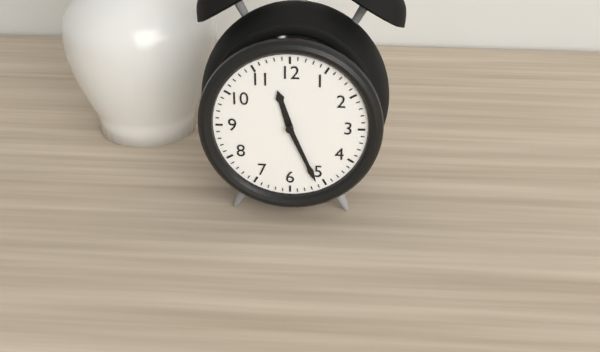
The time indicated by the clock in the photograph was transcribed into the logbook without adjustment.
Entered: 11:26
